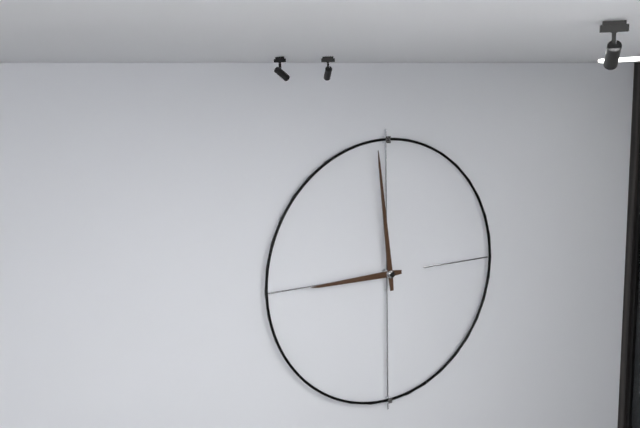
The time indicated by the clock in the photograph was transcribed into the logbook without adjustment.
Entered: 8:59
